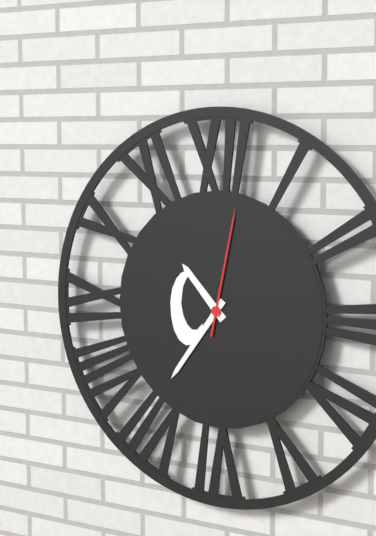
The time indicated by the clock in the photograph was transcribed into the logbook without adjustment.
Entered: 10:36:02
